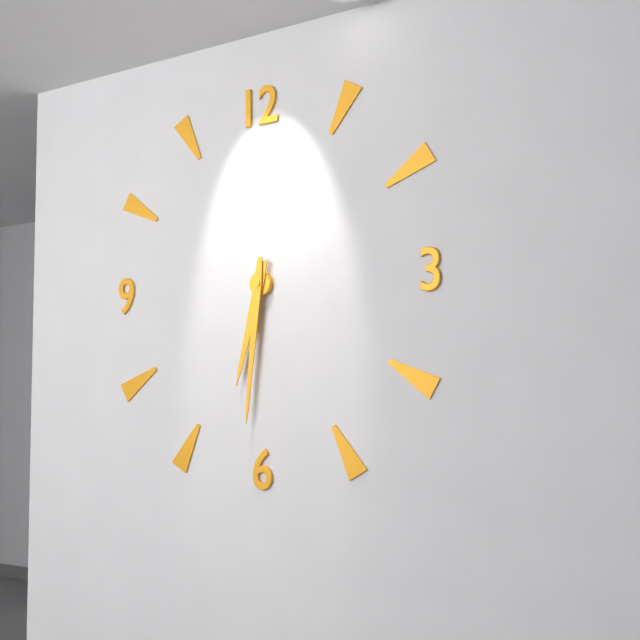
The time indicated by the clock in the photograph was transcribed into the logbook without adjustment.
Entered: 6:31
